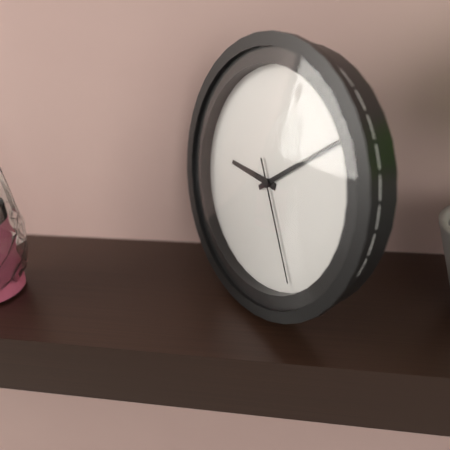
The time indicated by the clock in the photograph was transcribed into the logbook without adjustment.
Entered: 9:09:25
